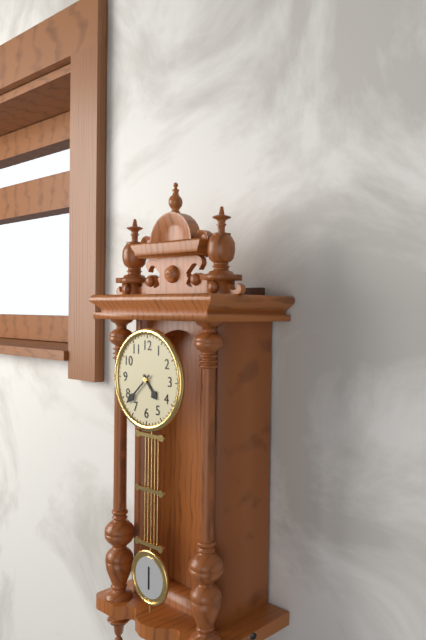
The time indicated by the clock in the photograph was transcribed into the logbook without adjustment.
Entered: 4:38
